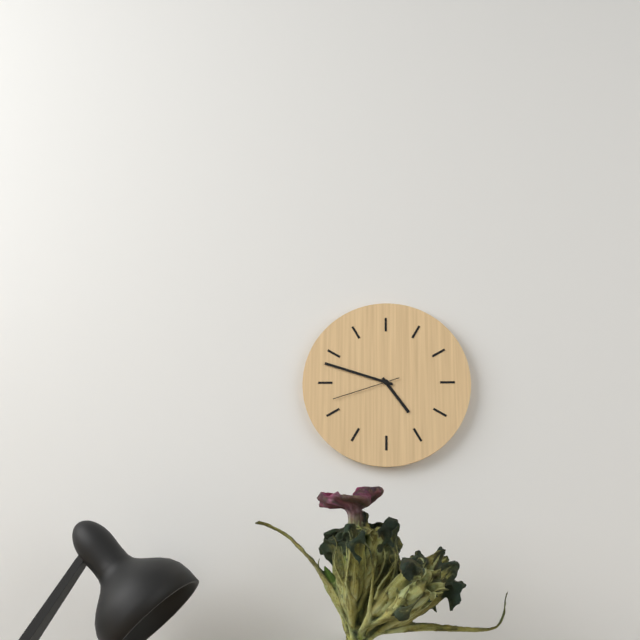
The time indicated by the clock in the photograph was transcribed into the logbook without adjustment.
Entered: 4:48:42
